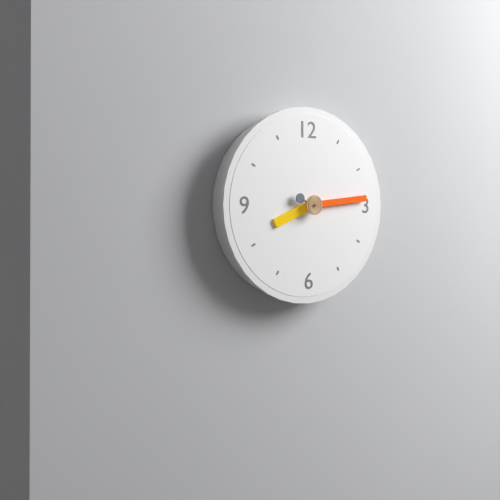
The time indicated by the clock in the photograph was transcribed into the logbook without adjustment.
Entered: 8:14
